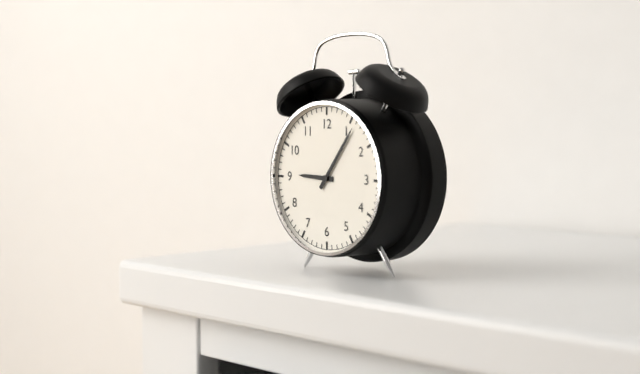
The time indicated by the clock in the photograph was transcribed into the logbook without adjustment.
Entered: 9:06
